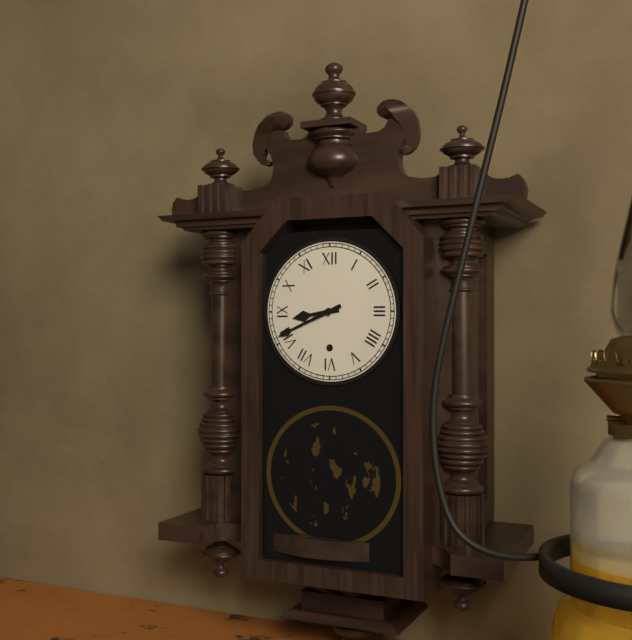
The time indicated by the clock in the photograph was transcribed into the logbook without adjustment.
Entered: 8:41
